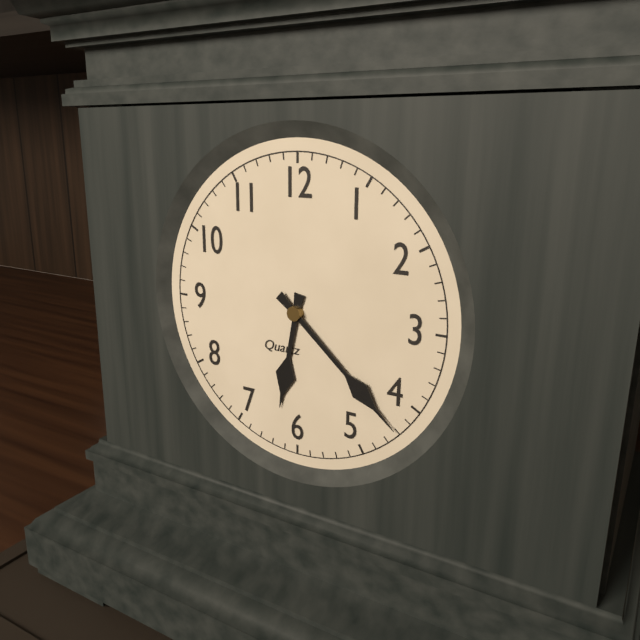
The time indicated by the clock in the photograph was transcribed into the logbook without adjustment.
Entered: 6:22
